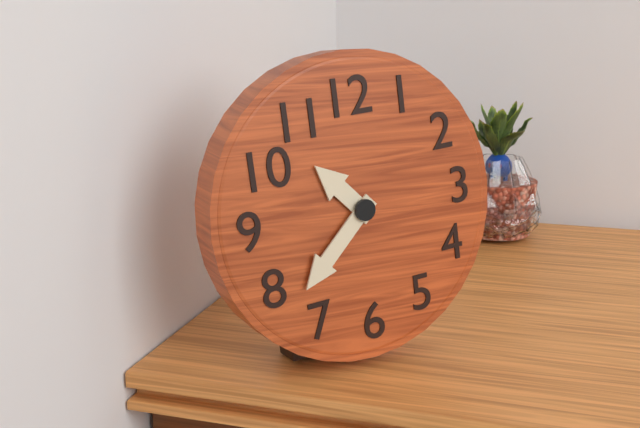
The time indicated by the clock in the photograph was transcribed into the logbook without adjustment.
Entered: 10:38
